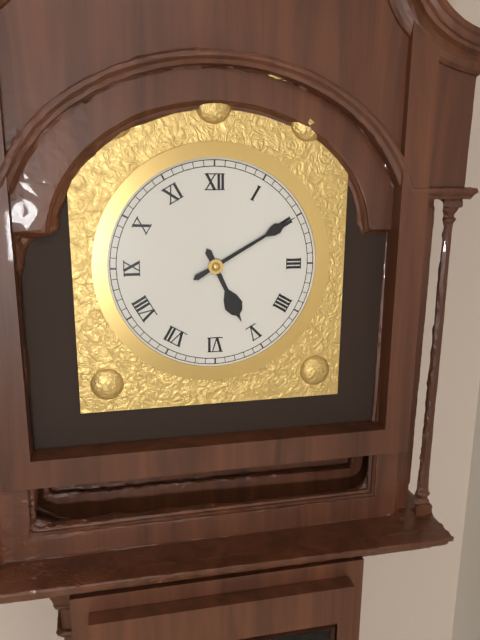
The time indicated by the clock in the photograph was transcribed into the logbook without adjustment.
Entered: 5:10
